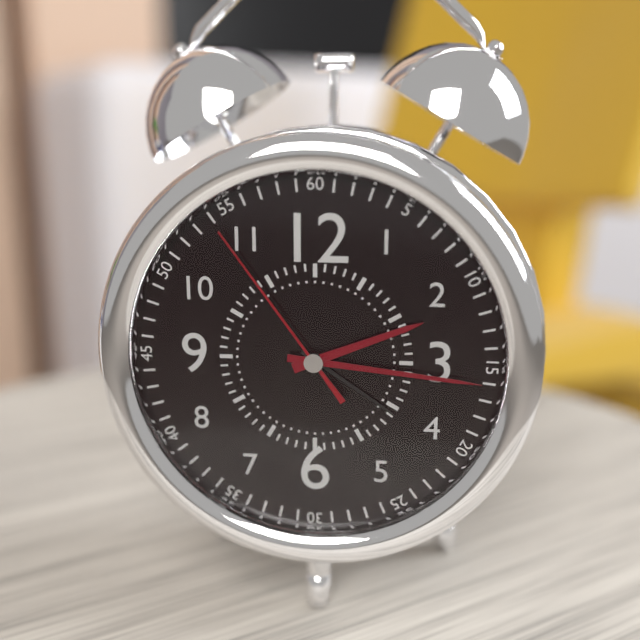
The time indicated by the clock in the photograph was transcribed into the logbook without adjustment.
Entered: 2:16:54
